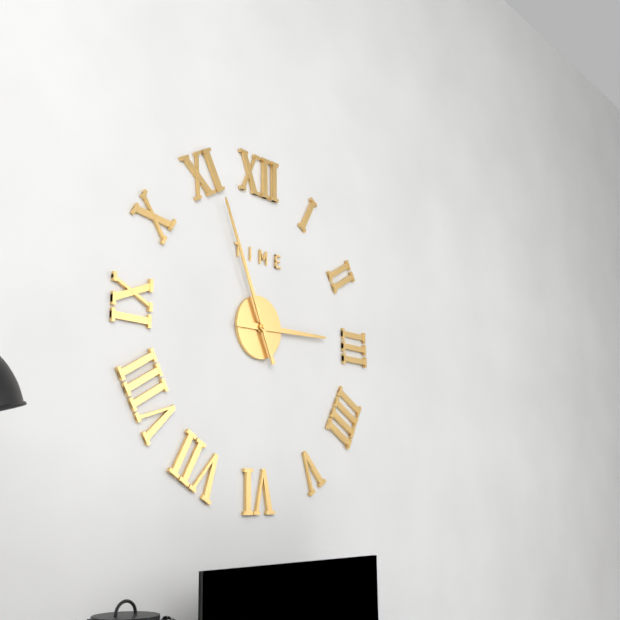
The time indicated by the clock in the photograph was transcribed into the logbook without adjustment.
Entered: 2:56
